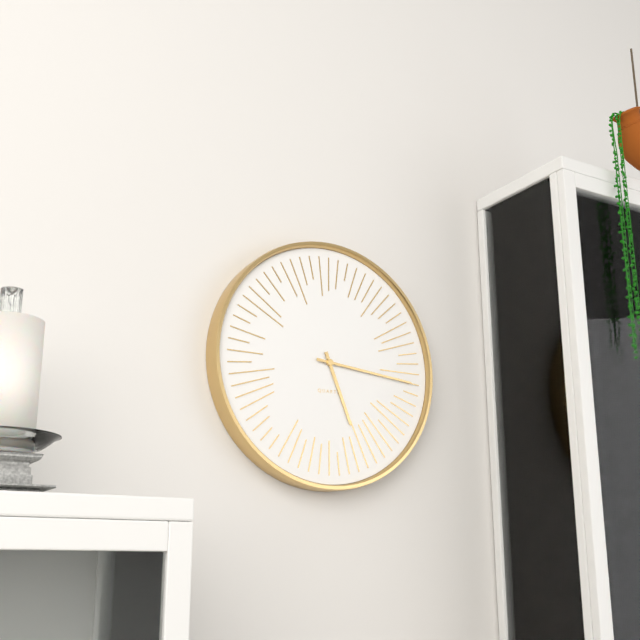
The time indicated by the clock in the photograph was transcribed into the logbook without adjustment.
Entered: 5:16
